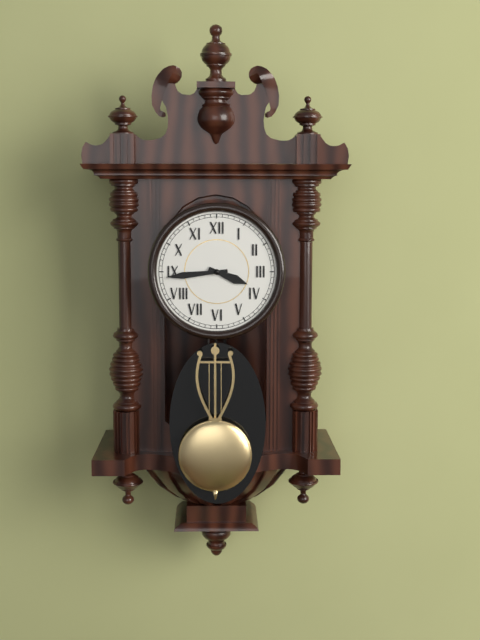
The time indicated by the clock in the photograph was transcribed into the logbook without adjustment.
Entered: 3:44
